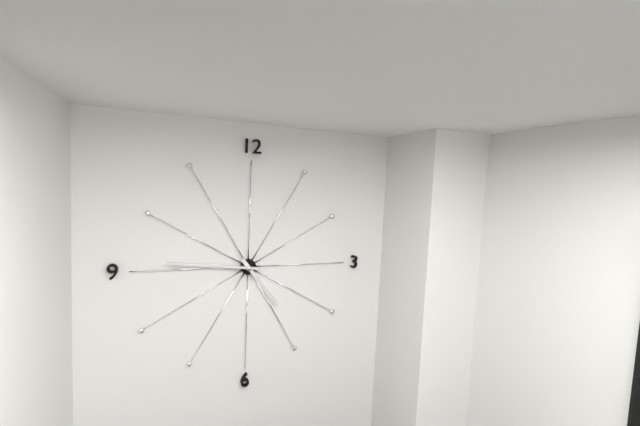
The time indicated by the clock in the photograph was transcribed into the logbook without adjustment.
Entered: 4:46
